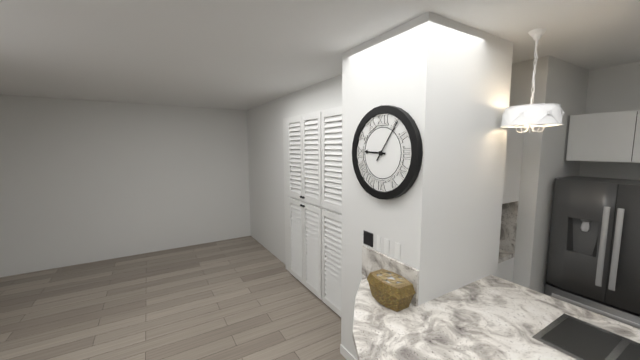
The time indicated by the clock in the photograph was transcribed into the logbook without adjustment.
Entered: 9:06
